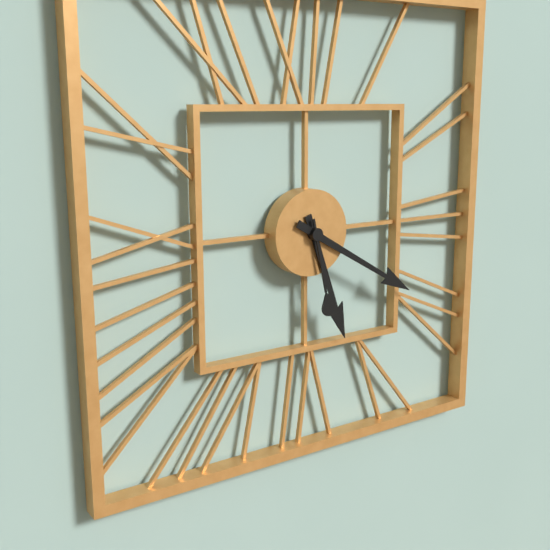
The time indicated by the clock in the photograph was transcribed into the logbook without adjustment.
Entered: 5:20:28
